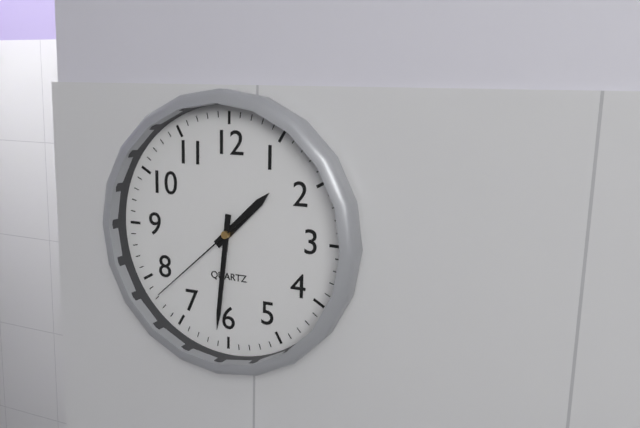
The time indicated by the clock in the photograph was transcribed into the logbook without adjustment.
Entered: 1:31:38
